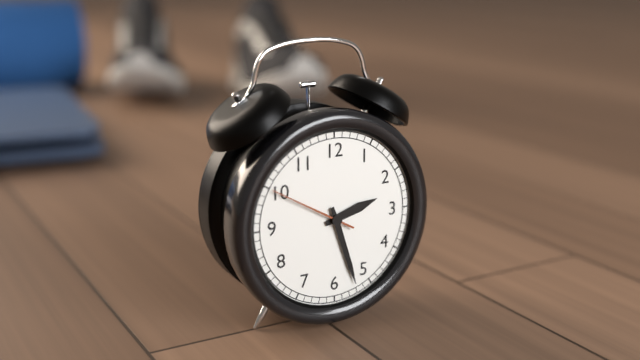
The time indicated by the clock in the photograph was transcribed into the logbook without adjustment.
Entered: 2:27:50
